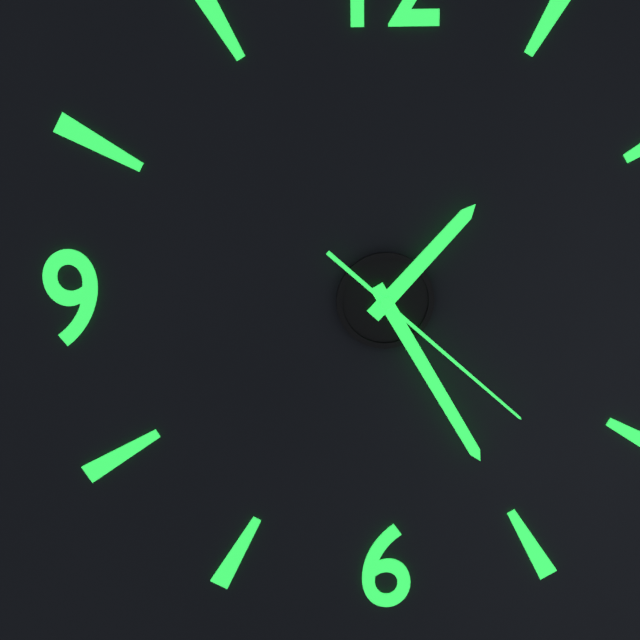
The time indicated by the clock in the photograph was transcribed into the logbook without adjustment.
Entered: 1:25:22
